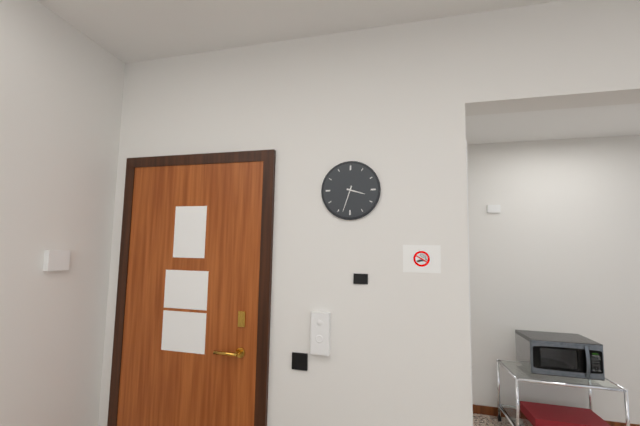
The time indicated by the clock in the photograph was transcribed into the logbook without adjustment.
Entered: 3:33
